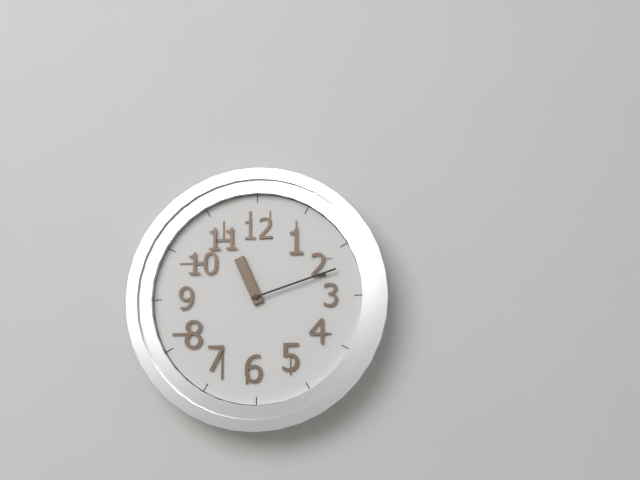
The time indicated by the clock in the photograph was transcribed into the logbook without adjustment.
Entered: 11:12
